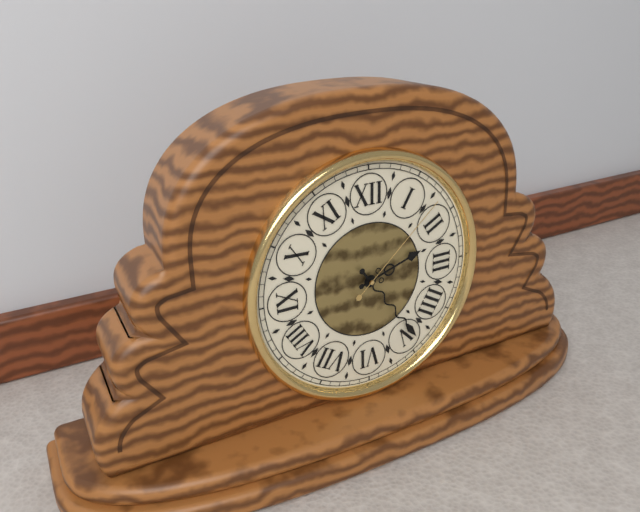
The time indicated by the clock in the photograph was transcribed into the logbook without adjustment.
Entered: 2:24:08
